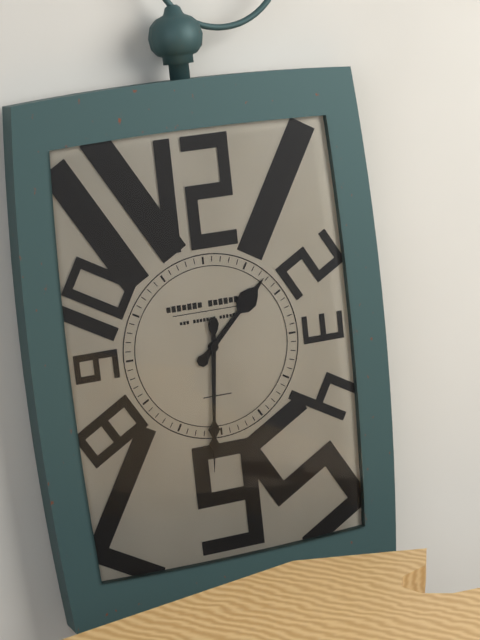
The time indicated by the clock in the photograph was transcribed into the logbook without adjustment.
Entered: 1:31
